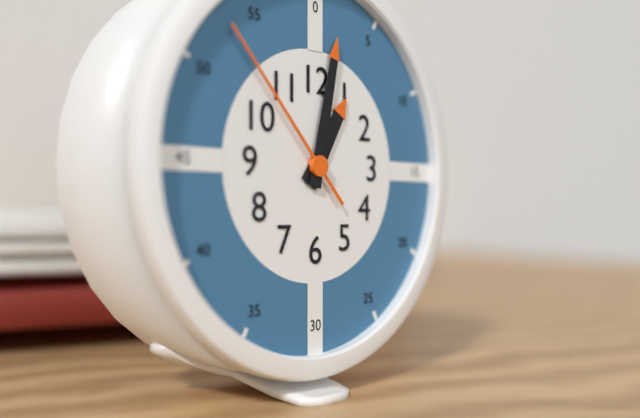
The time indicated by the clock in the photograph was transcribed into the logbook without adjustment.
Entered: 1:02:53
